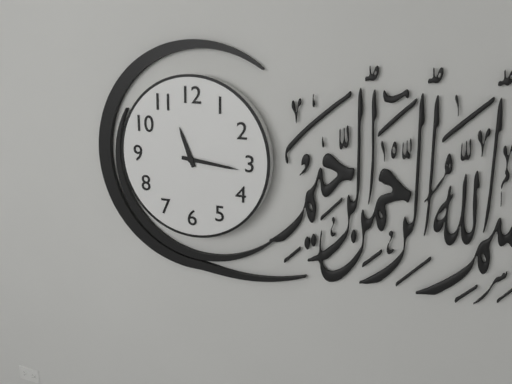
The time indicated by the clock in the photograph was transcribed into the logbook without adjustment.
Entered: 11:16
